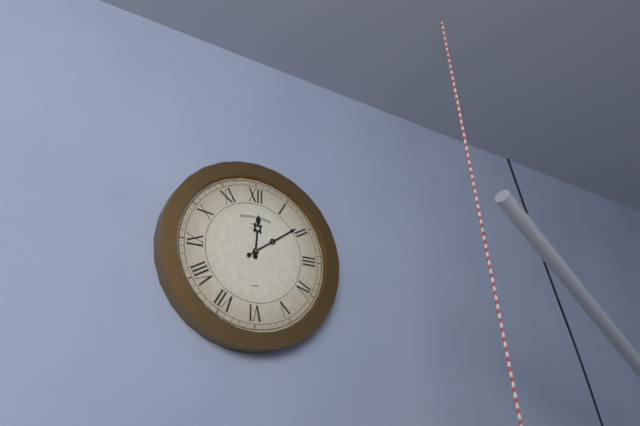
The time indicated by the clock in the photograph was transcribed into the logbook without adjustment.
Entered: 12:09
